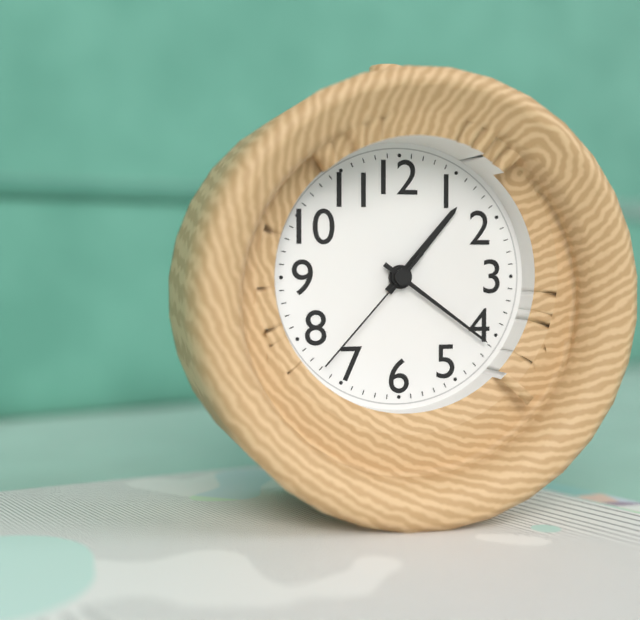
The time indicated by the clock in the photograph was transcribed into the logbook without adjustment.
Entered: 1:21:37
